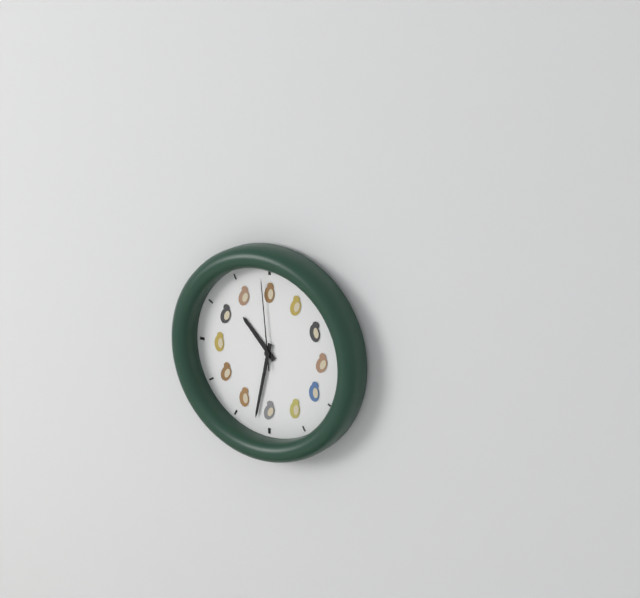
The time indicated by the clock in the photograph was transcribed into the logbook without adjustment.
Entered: 10:32:59
